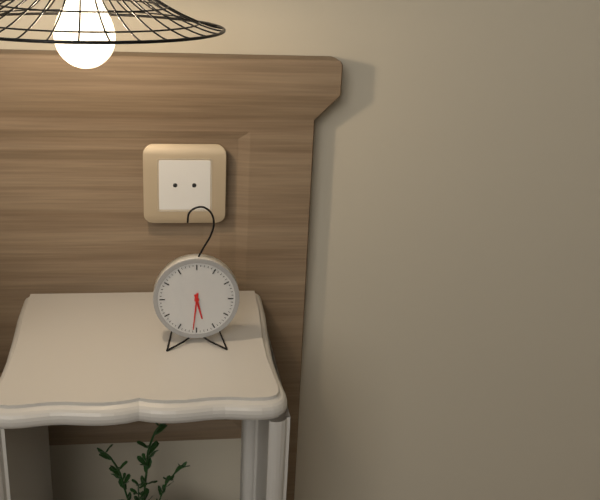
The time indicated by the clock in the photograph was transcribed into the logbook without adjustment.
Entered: 5:31
